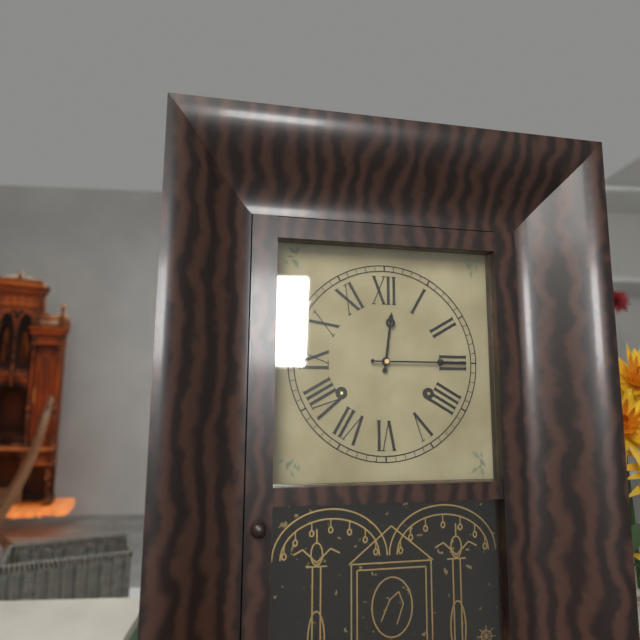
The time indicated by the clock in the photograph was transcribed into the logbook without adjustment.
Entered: 12:15
